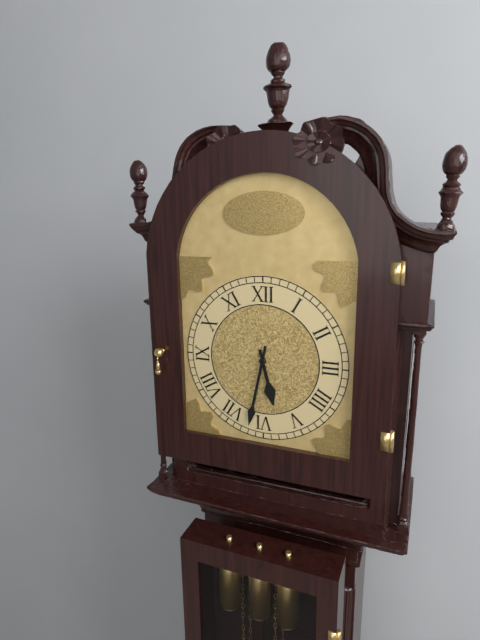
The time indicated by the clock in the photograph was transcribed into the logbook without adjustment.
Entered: 5:32
